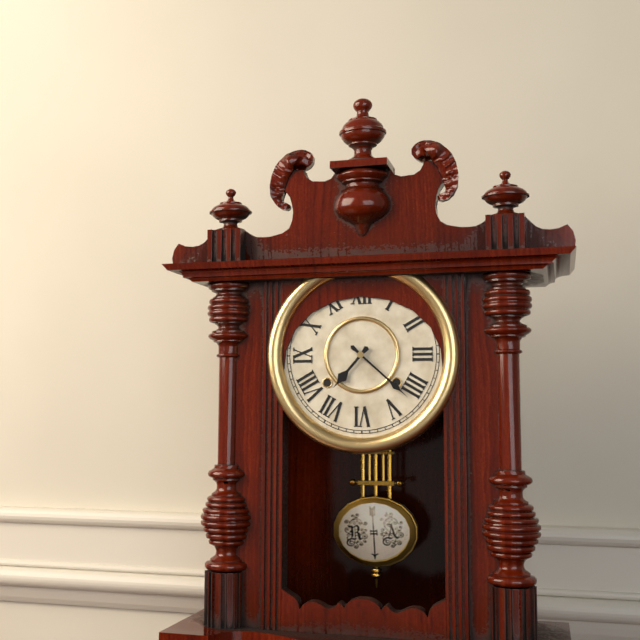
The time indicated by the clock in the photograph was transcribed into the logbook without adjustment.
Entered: 7:22
